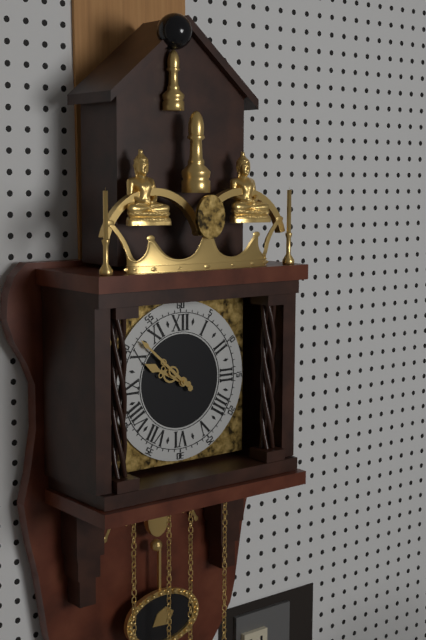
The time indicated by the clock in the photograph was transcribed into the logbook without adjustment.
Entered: 9:52
